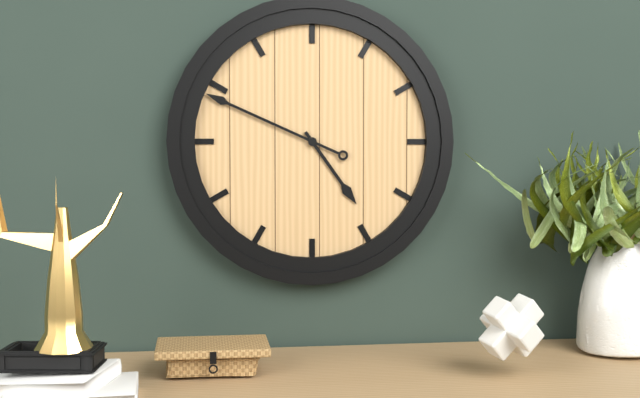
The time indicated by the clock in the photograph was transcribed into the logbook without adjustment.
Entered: 4:49
